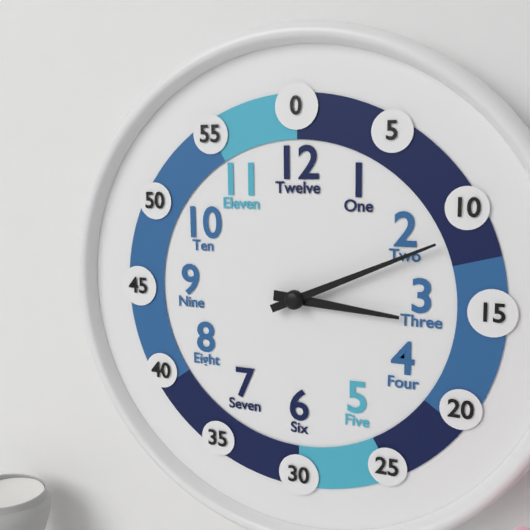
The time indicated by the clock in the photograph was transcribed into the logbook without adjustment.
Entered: 3:11
